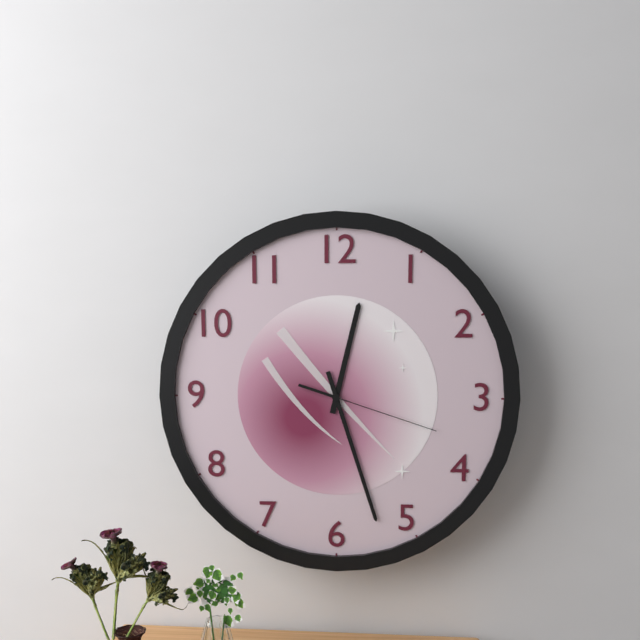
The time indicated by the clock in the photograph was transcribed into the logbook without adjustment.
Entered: 12:27:18
